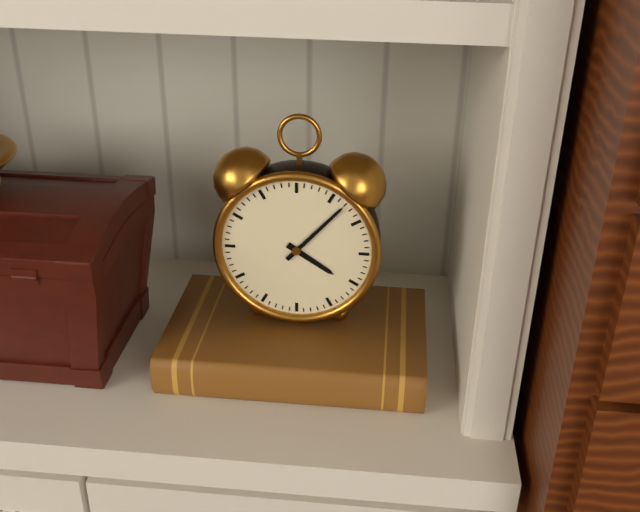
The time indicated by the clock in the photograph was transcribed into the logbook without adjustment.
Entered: 4:07
